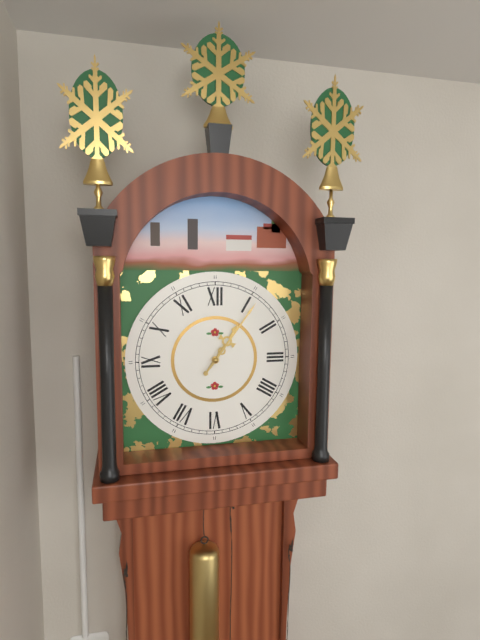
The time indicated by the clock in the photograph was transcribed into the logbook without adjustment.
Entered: 1:06
